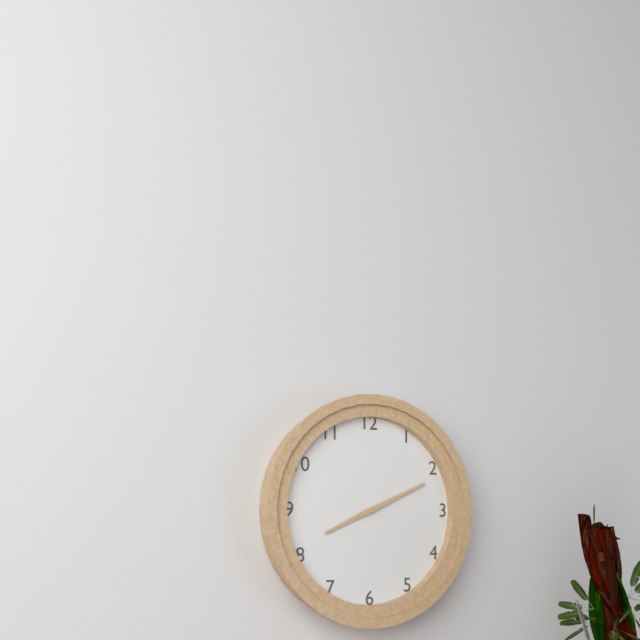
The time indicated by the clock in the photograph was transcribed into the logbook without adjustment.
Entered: 8:11
